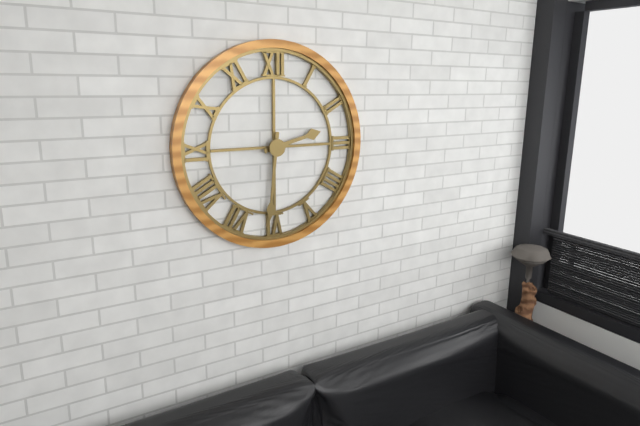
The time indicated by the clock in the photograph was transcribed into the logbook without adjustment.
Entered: 2:31
